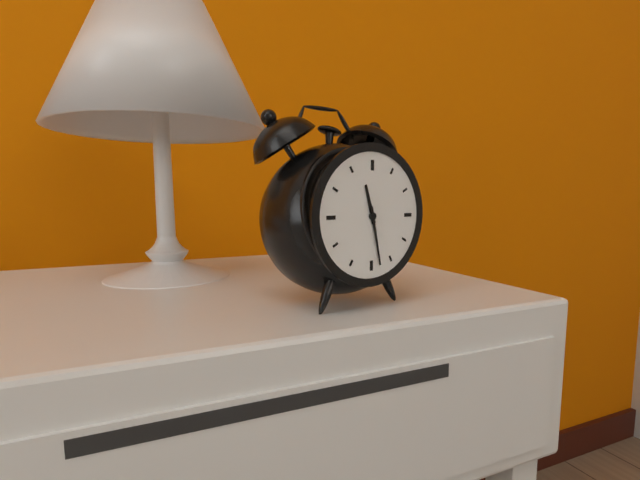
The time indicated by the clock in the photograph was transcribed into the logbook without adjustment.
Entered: 11:28
